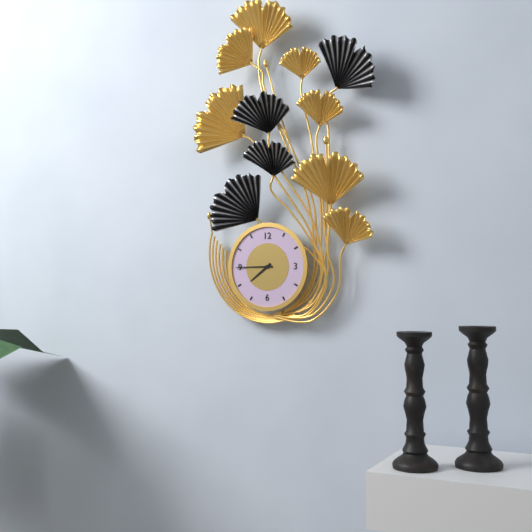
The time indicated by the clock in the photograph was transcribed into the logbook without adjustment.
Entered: 7:45
